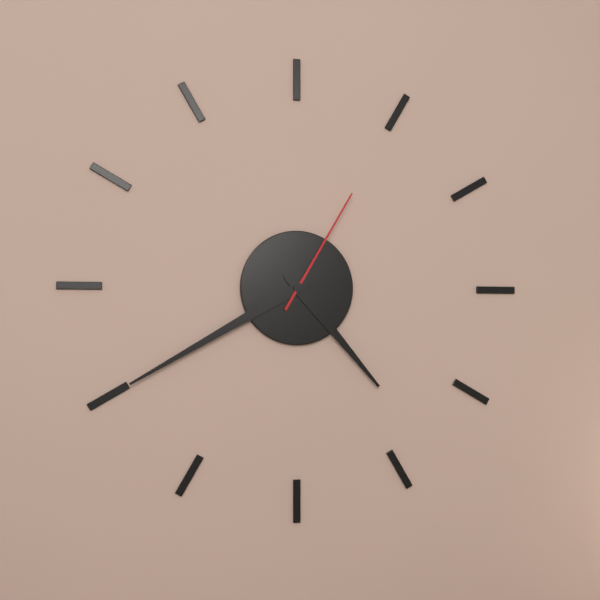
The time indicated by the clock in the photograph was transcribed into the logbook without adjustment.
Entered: 4:40:05
